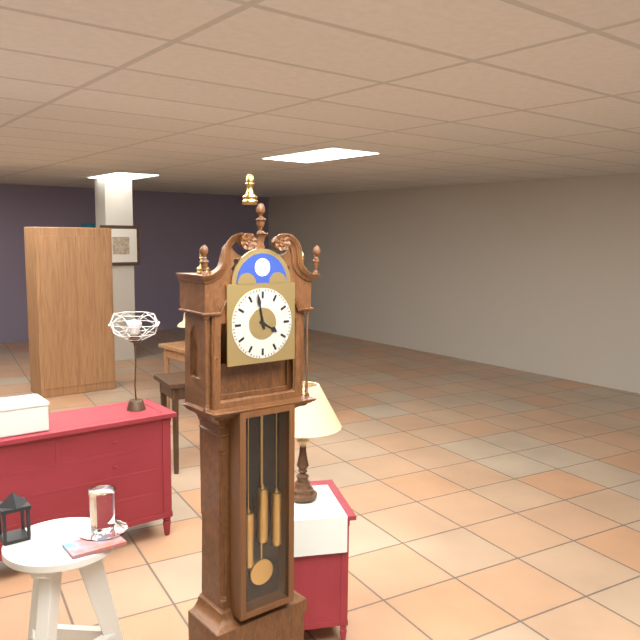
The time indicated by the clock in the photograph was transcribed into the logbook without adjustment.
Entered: 3:58
